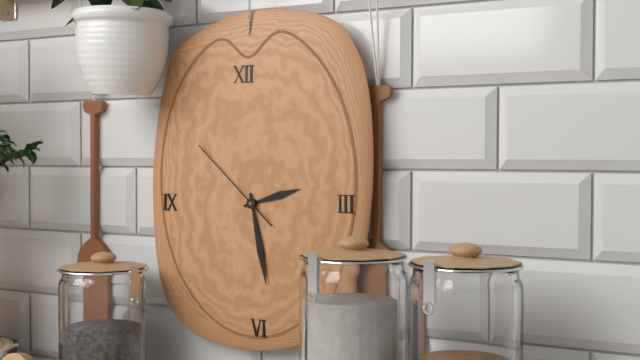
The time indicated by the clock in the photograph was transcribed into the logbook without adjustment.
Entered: 2:28:52
